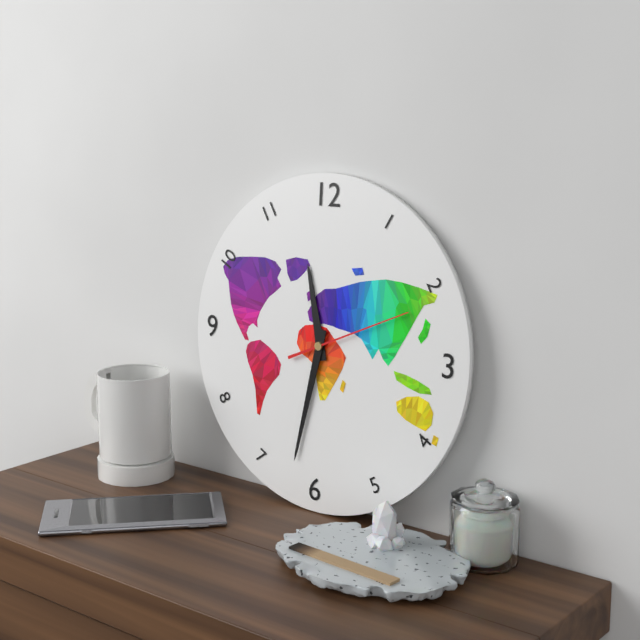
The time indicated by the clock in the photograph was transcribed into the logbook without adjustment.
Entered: 11:32:11
